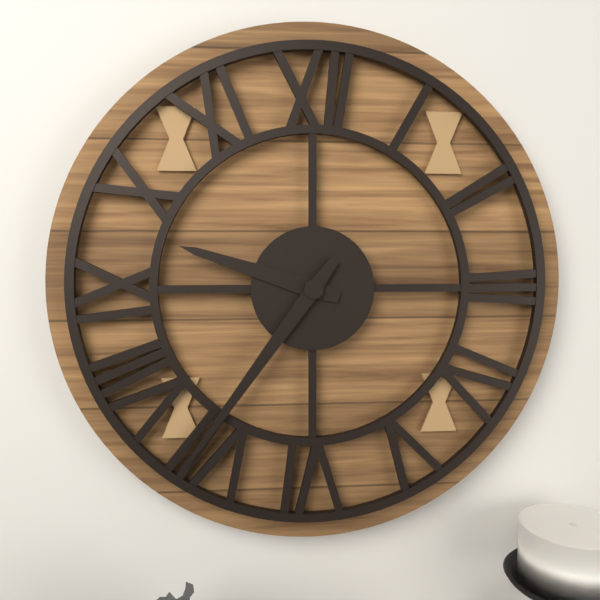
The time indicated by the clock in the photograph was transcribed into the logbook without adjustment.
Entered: 9:36
